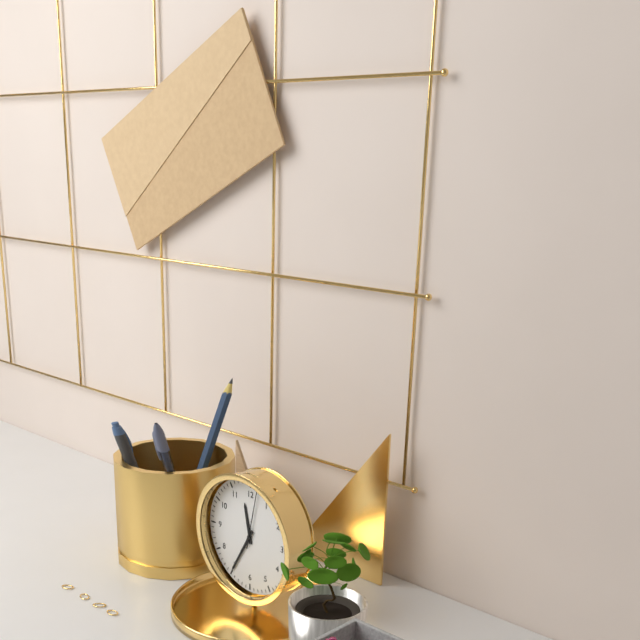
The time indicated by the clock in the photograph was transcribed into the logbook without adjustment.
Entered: 11:35:02
